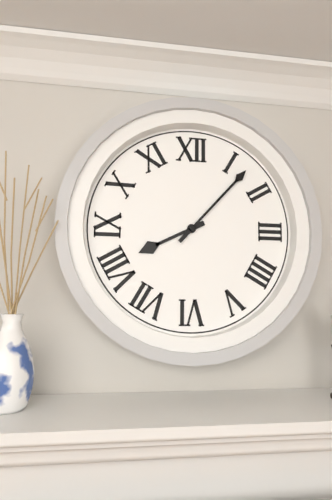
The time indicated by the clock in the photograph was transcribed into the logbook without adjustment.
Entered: 8:07
